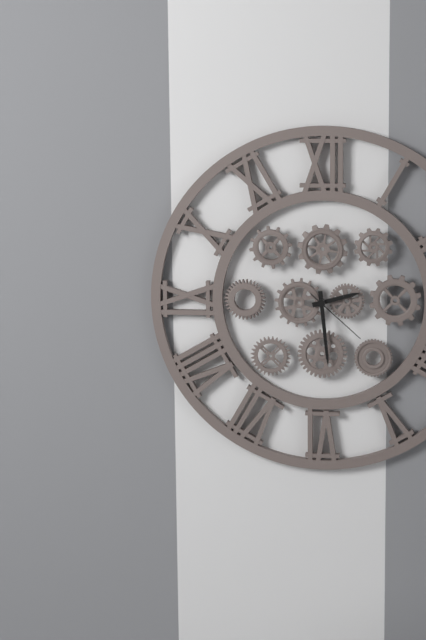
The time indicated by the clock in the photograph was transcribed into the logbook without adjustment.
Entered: 2:29:22
